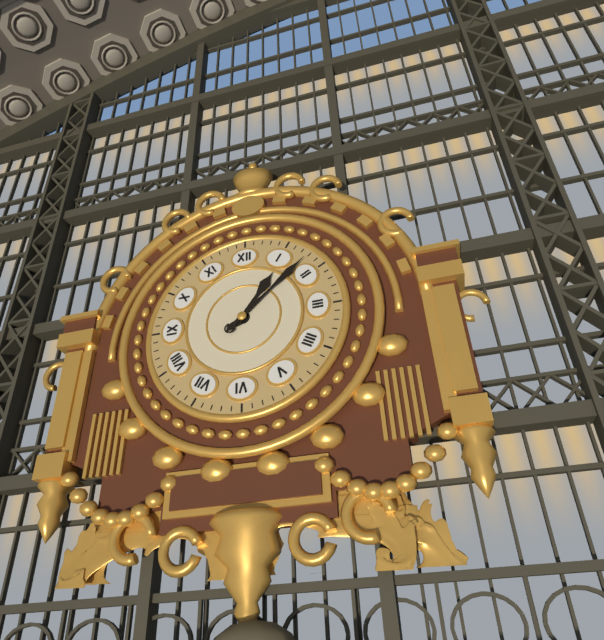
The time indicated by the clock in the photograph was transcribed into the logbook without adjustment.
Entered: 1:08
